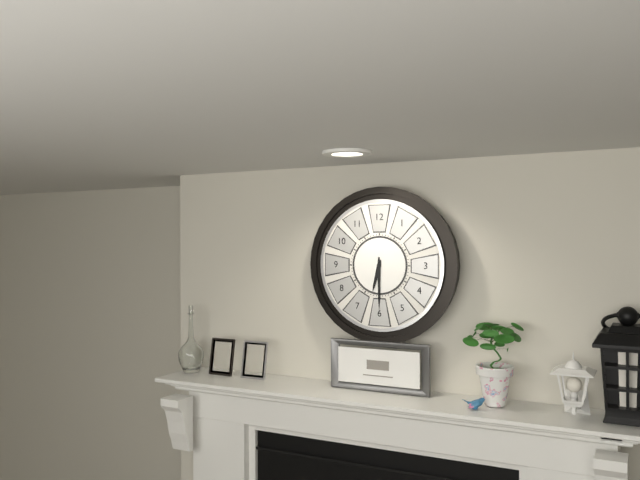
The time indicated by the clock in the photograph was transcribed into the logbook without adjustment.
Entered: 6:30
